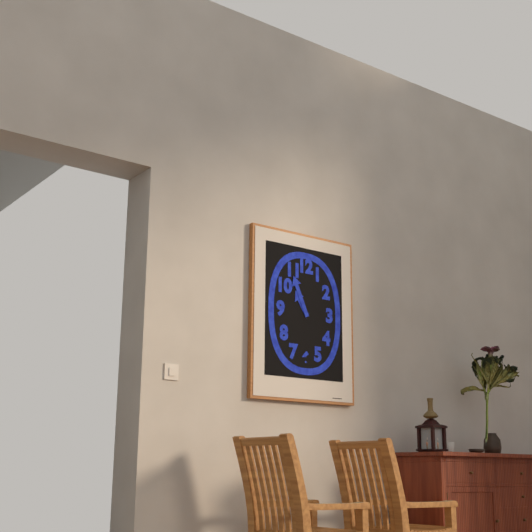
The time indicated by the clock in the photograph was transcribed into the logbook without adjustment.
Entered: 10:56
